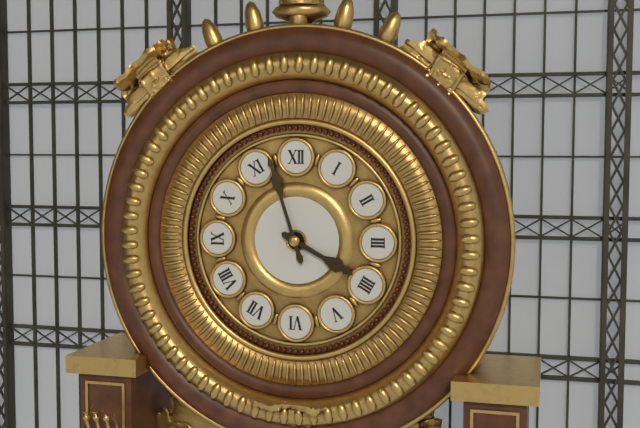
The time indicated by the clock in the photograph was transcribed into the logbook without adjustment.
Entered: 3:57
